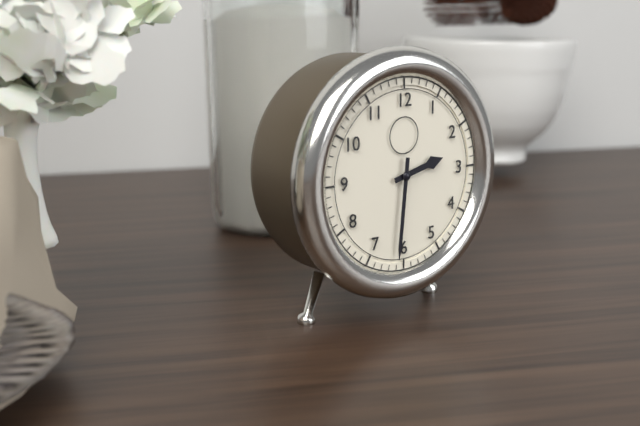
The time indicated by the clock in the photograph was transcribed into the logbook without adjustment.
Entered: 2:31
